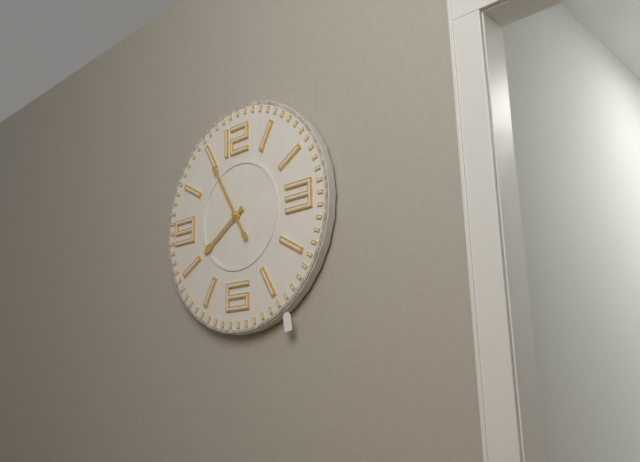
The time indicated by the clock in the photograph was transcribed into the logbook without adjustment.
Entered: 7:55
